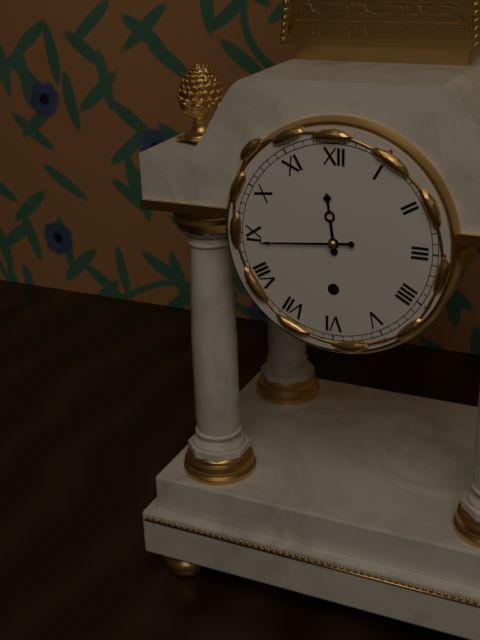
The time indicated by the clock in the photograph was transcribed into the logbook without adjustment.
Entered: 11:44
